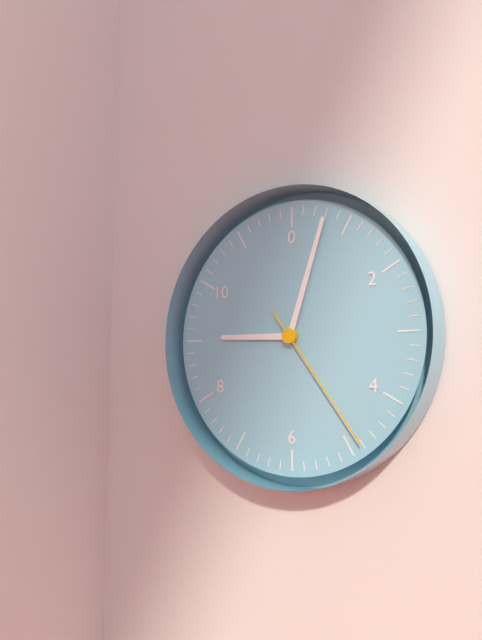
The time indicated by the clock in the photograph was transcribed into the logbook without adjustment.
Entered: 9:03:24
